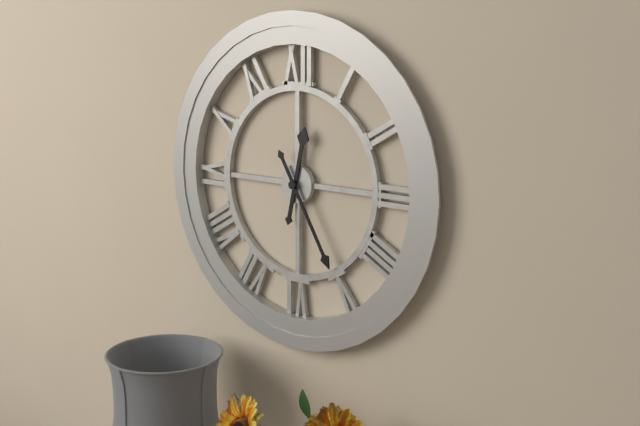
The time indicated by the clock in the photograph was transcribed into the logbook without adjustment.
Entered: 12:25
